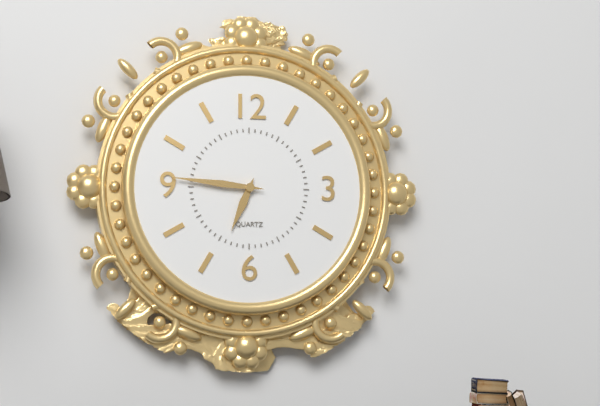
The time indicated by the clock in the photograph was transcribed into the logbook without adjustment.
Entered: 6:46
